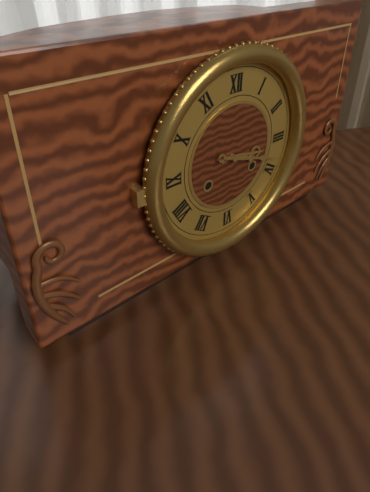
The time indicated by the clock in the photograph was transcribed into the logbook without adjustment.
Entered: 3:18
